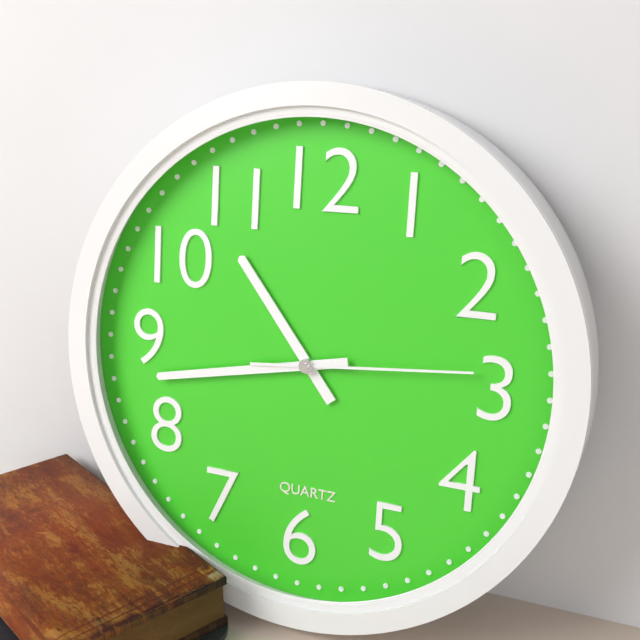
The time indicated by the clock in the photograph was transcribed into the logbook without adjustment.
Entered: 10:43:14
